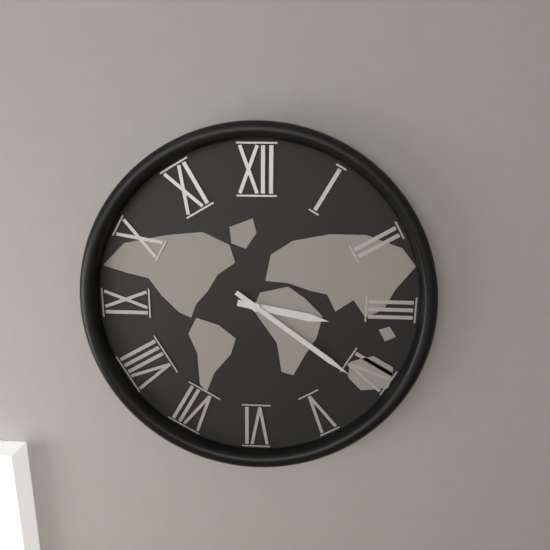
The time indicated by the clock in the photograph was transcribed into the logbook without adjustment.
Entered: 3:21
